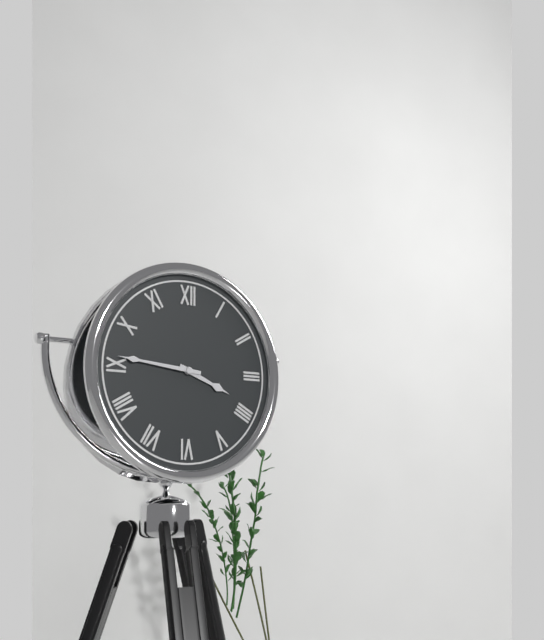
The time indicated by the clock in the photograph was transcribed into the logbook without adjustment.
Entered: 3:46
